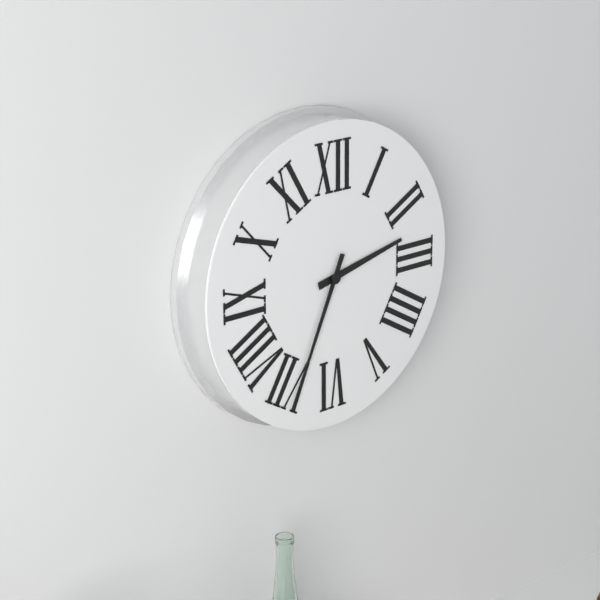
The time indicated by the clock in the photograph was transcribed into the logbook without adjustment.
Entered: 2:34
